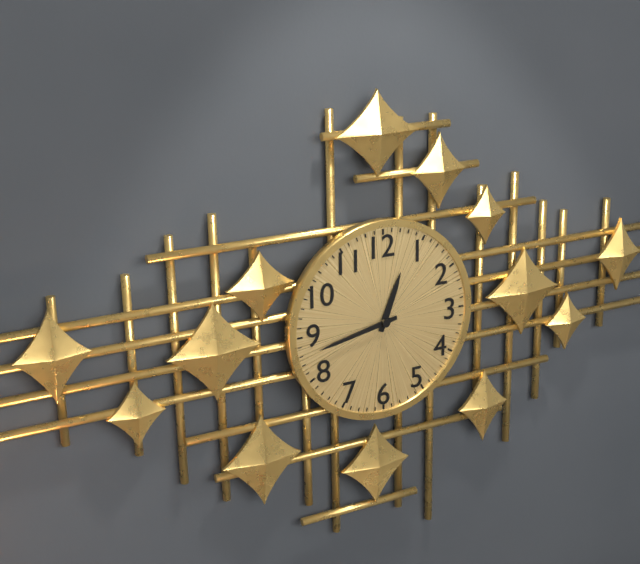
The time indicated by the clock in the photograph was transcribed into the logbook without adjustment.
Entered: 12:43
